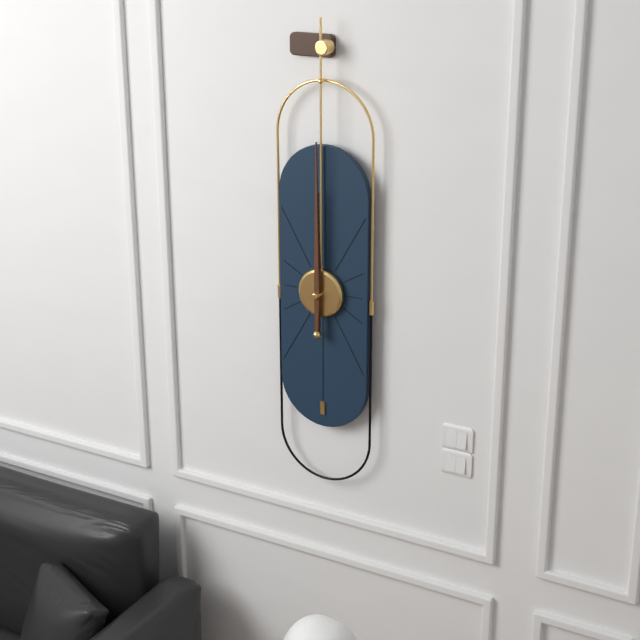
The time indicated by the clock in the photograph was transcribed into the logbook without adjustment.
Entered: 12:00
